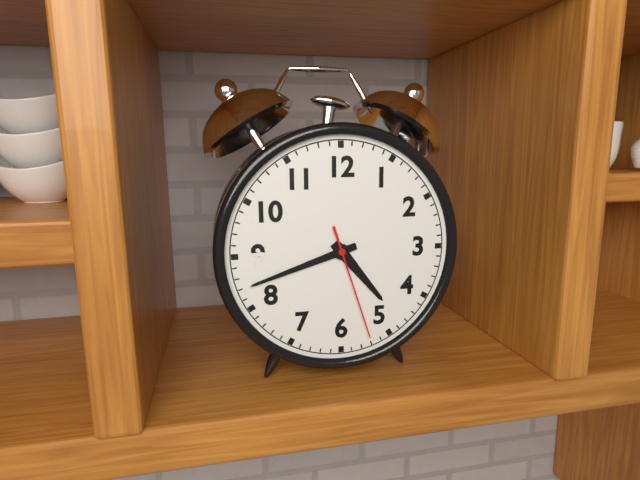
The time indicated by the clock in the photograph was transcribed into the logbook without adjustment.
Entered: 4:42:27
